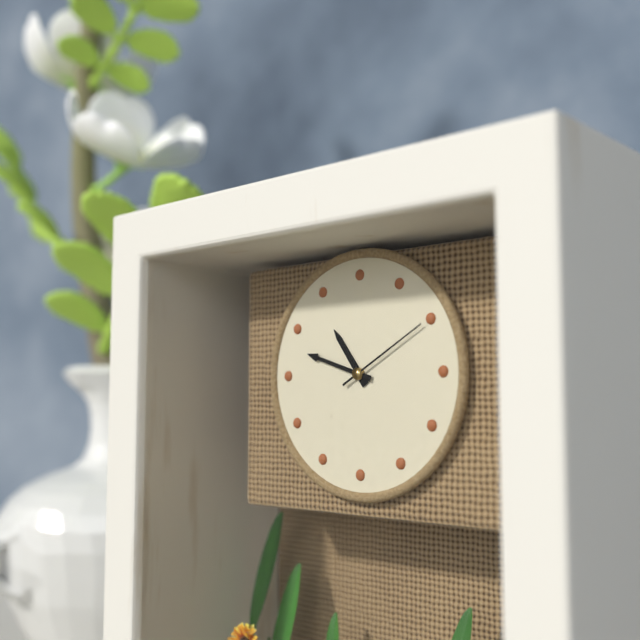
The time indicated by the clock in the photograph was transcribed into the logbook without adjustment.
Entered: 10:48:10
